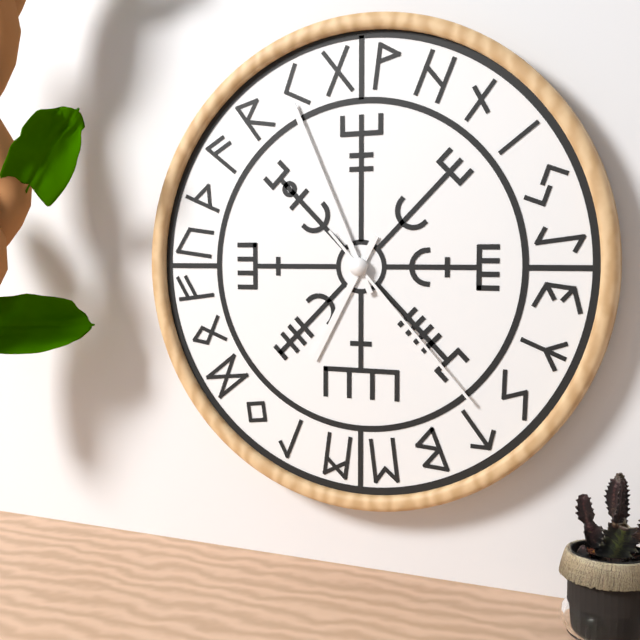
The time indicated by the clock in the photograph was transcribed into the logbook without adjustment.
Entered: 6:56:23
